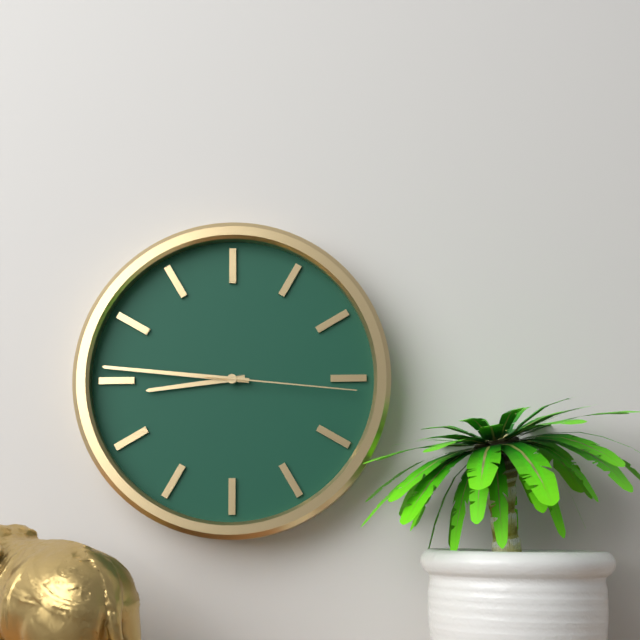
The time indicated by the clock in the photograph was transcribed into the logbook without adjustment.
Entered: 8:46:16
